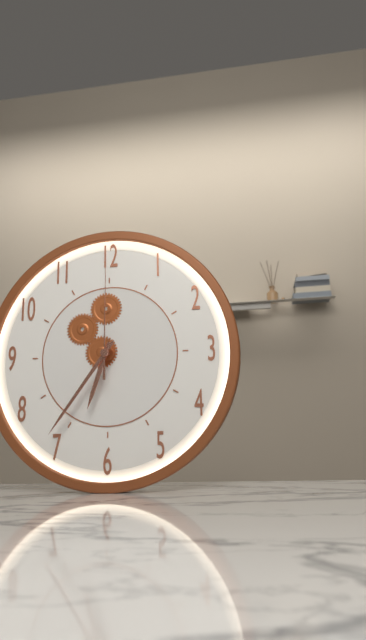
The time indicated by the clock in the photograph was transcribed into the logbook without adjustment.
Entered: 6:36:00
